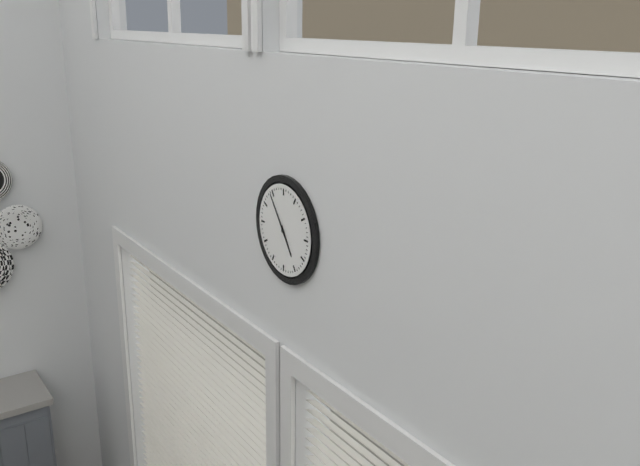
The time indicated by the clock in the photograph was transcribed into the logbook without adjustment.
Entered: 4:54
